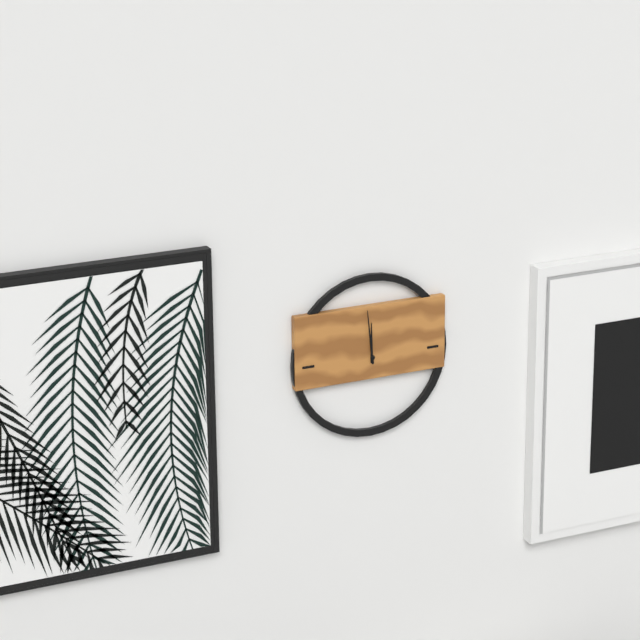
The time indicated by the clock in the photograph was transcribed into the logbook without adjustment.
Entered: 11:59
